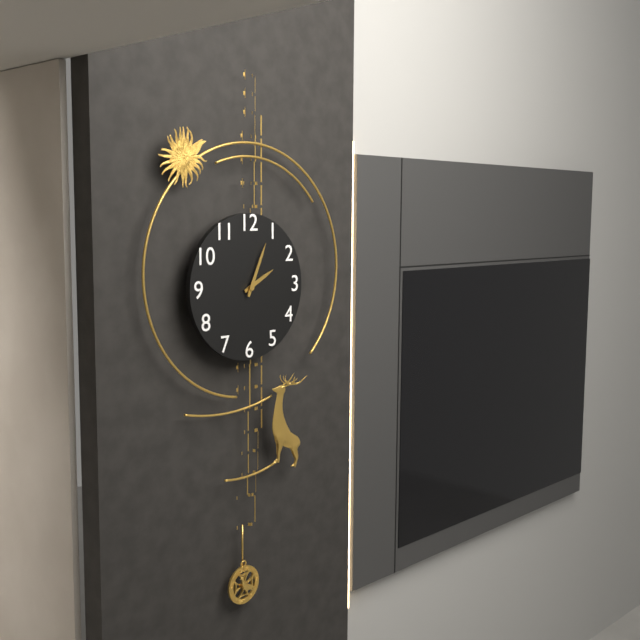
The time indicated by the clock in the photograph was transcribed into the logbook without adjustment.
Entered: 2:04
